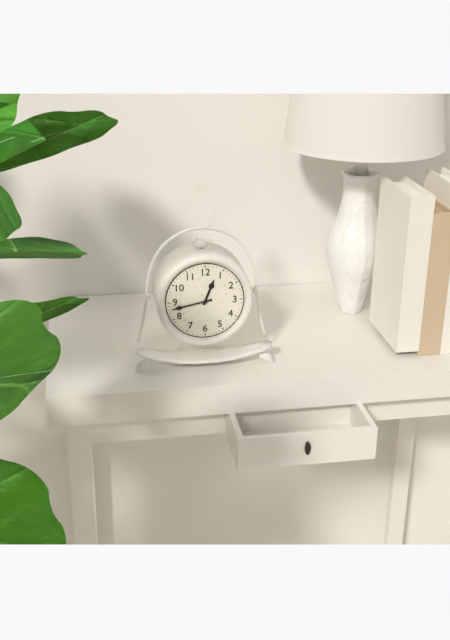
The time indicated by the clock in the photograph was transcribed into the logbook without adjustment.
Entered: 12:43
